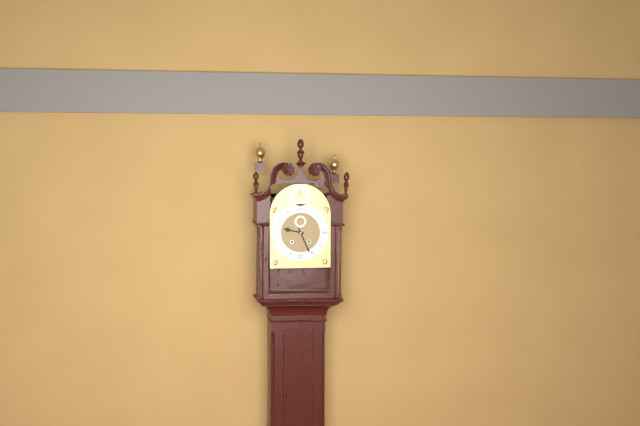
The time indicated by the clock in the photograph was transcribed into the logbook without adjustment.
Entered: 9:26
